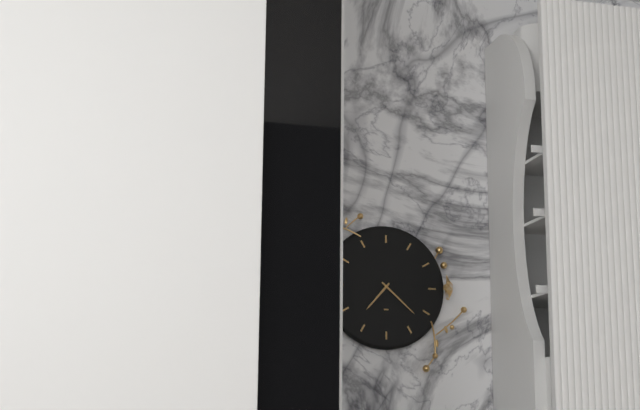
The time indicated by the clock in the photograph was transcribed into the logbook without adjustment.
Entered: 7:22
